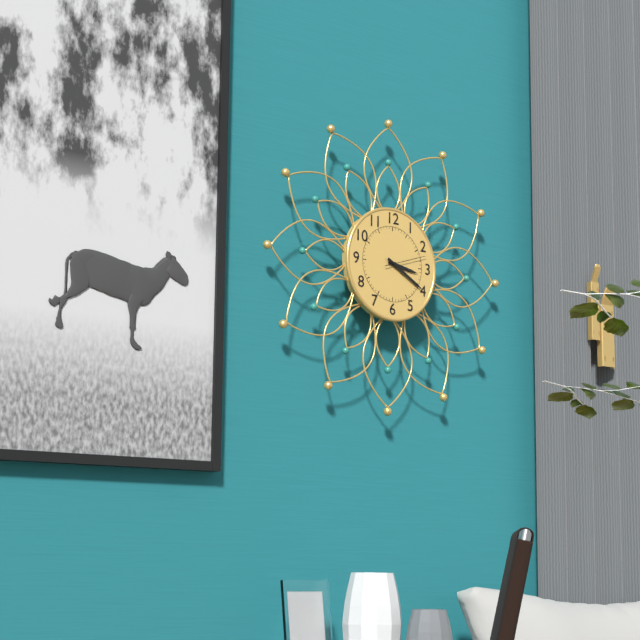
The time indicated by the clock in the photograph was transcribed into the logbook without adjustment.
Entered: 3:20
